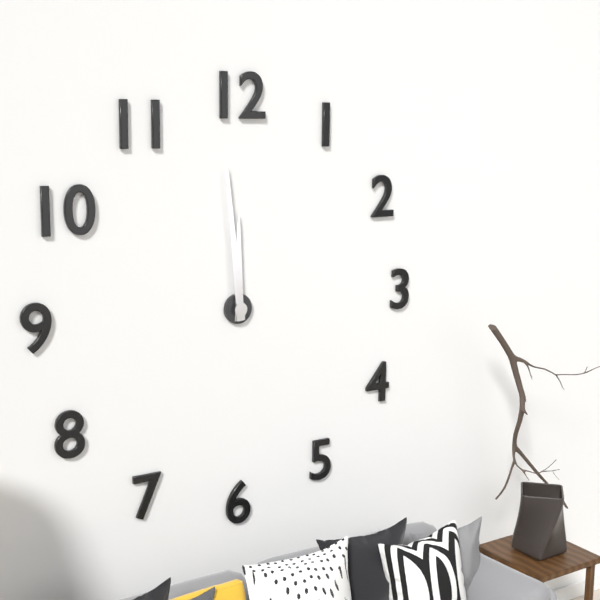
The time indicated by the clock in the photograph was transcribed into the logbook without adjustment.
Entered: 11:59
